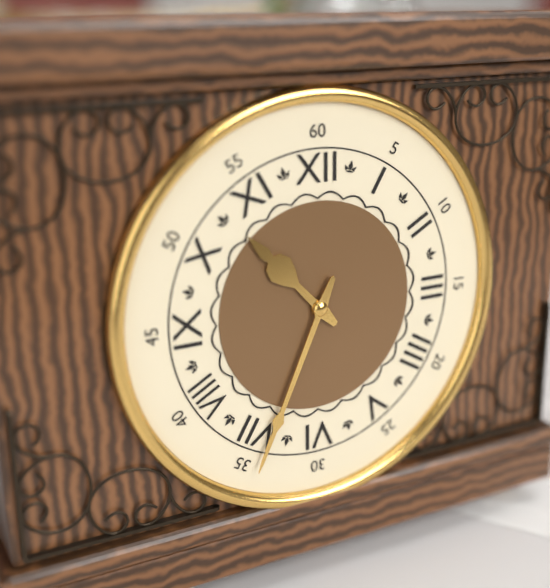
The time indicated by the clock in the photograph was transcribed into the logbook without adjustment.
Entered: 10:34
